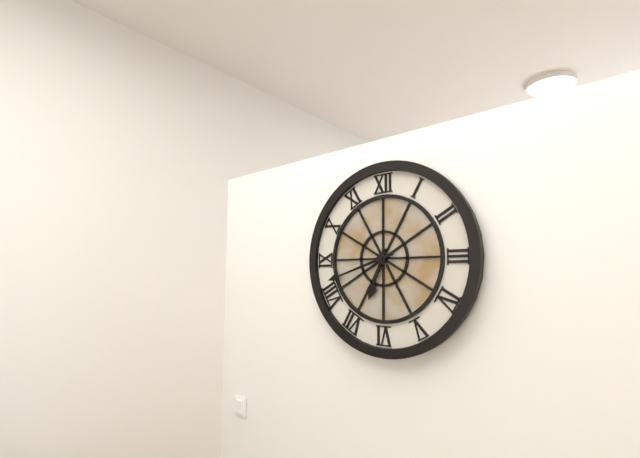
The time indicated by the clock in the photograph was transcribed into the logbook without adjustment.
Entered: 6:42
